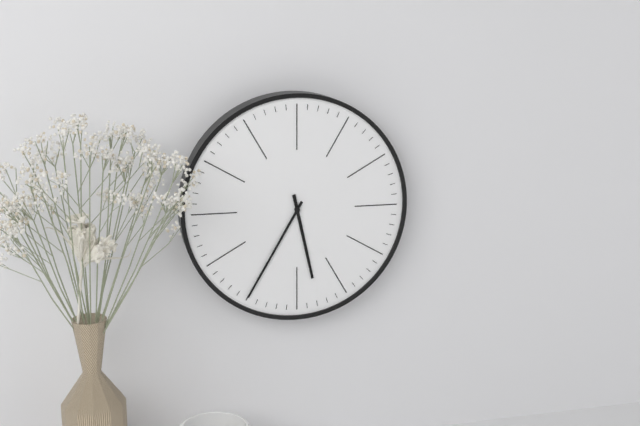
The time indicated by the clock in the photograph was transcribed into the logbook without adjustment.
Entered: 5:35
